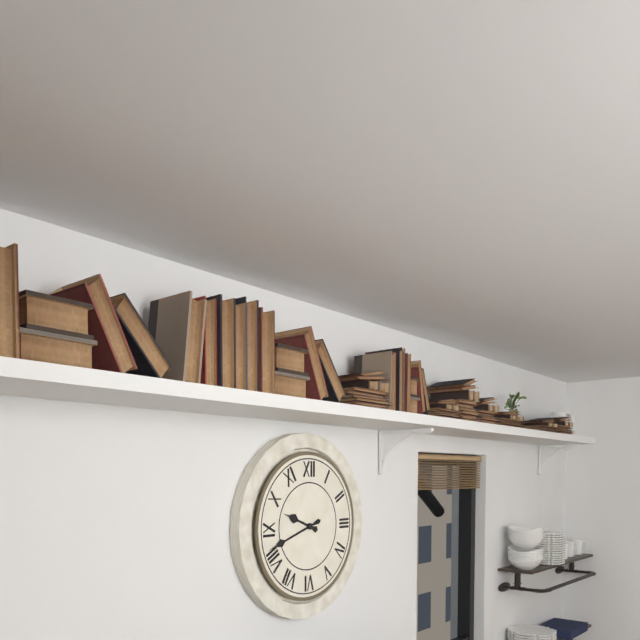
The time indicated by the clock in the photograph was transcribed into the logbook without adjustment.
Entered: 9:42
